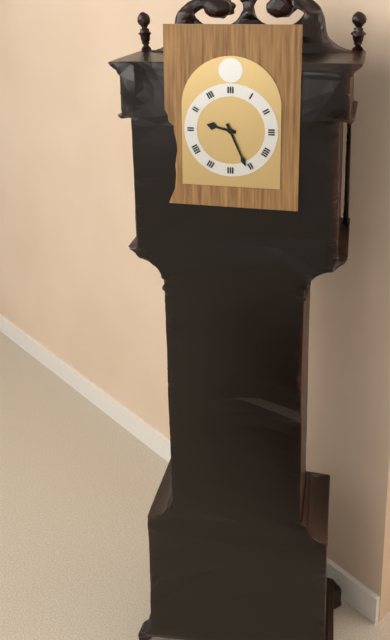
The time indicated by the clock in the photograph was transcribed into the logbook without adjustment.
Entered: 9:26
